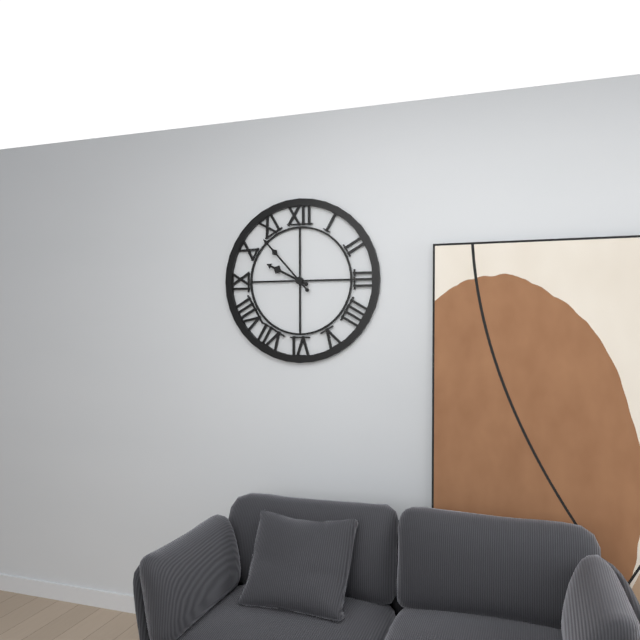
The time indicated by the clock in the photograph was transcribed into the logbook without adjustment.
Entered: 9:53
